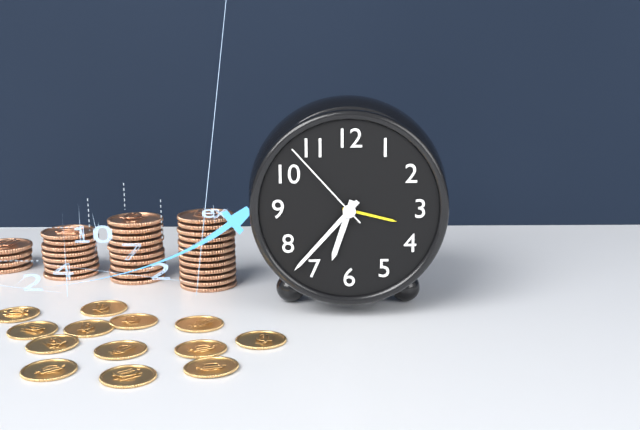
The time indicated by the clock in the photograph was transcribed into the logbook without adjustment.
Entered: 6:37:53
